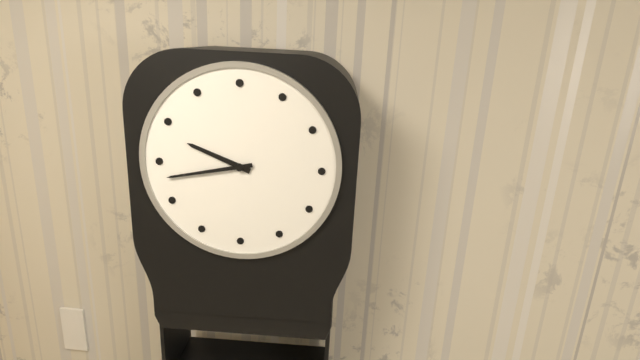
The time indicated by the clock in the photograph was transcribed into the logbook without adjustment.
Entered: 9:43
